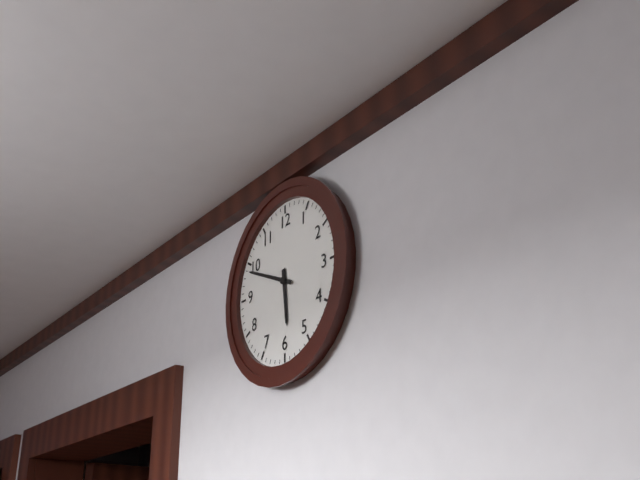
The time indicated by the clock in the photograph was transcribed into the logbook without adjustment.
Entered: 5:49
